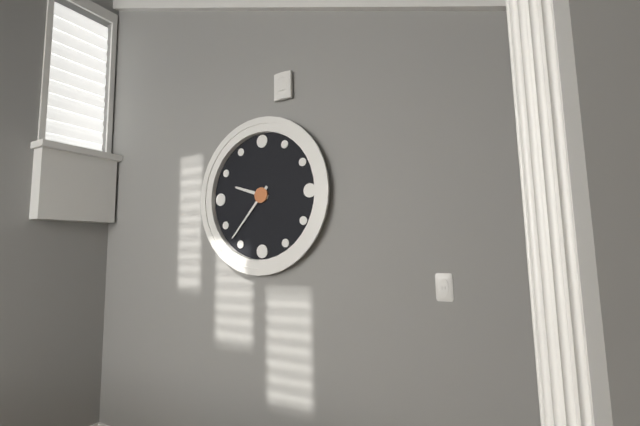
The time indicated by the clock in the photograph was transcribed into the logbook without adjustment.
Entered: 9:37
